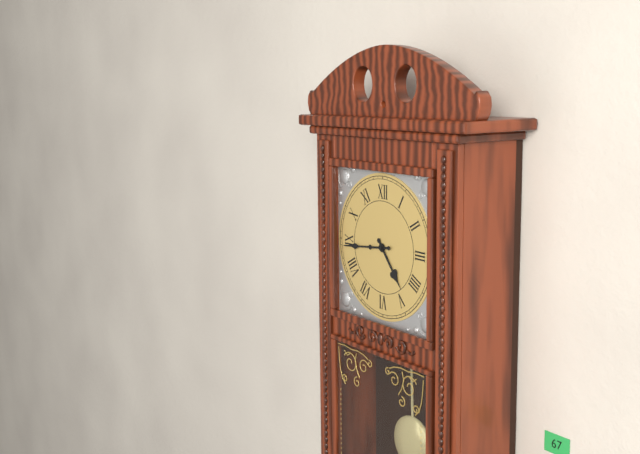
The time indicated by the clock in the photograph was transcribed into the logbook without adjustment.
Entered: 4:44
